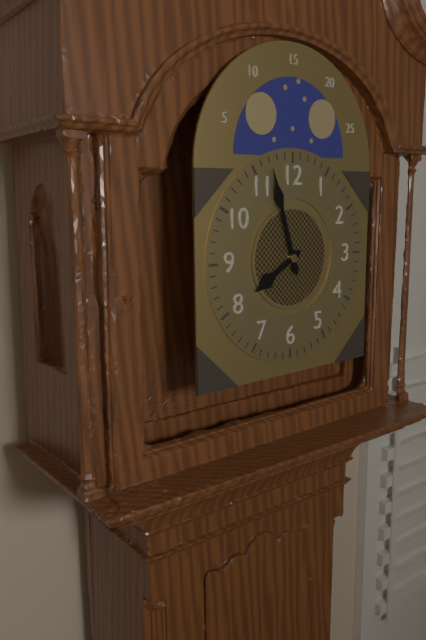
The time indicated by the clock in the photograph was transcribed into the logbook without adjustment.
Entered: 7:57
